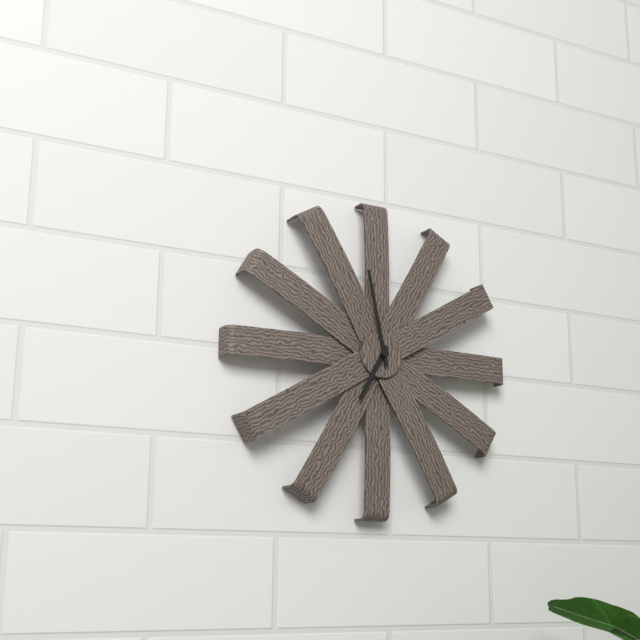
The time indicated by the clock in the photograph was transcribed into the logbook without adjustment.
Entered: 6:58
